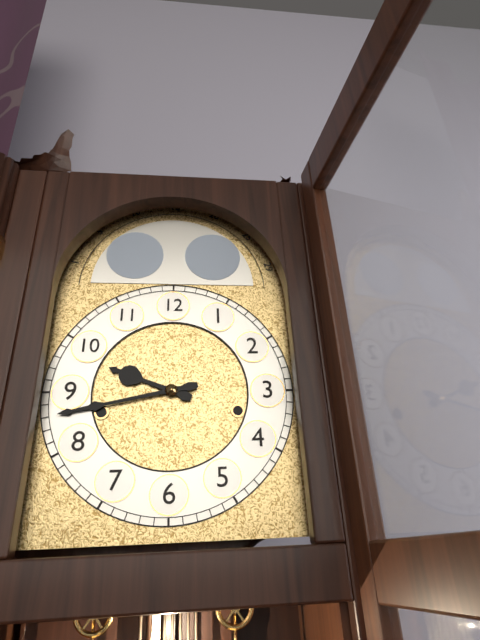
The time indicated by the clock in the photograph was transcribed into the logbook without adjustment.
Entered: 9:43
